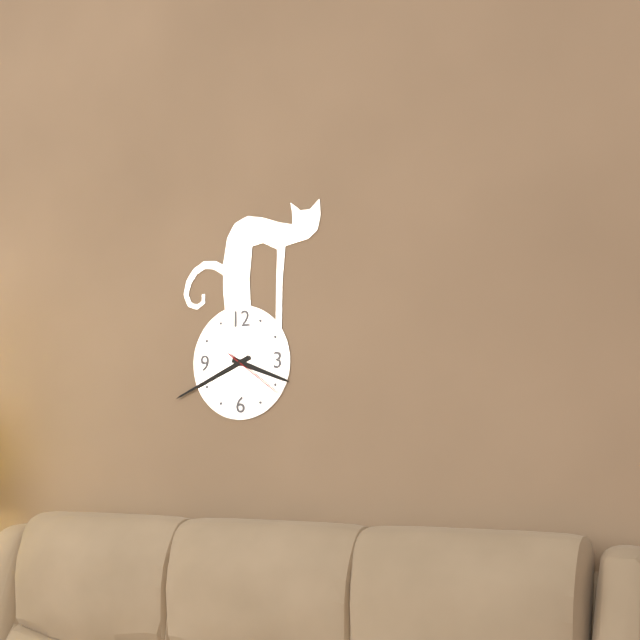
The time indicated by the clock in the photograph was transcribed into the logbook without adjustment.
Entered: 3:41:21
